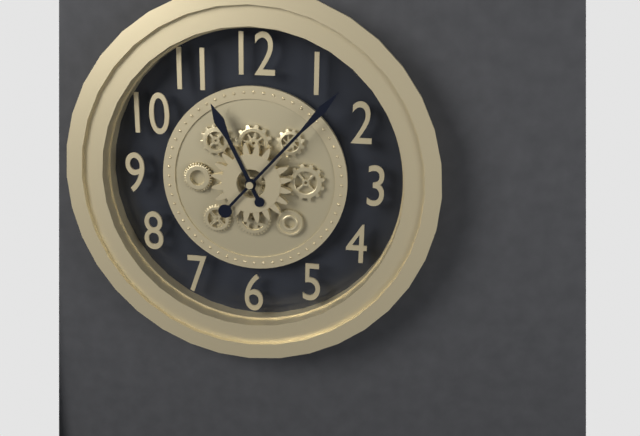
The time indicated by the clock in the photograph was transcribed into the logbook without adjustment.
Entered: 11:07
